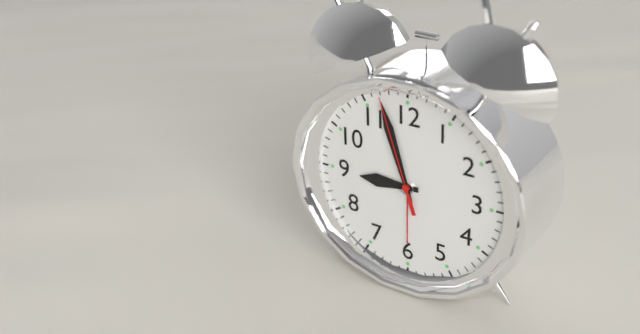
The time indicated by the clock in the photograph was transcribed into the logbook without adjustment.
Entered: 8:57:57
